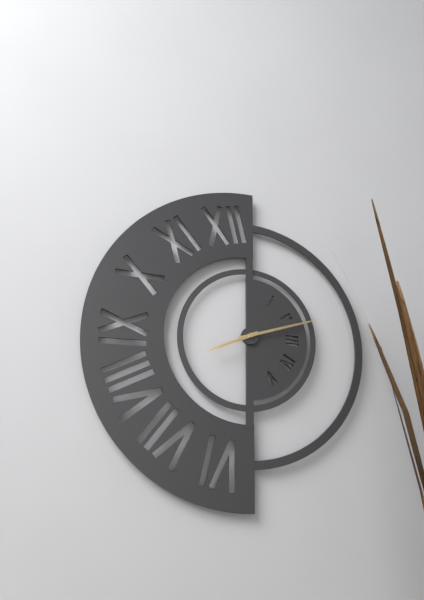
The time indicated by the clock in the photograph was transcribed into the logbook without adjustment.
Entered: 8:12
